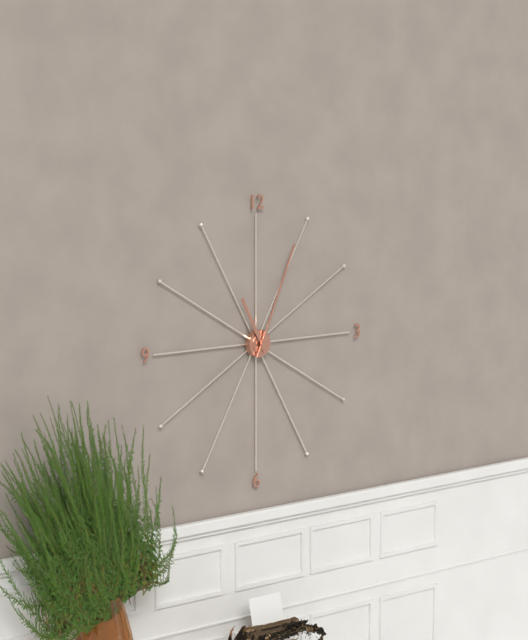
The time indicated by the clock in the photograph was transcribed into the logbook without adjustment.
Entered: 11:04
